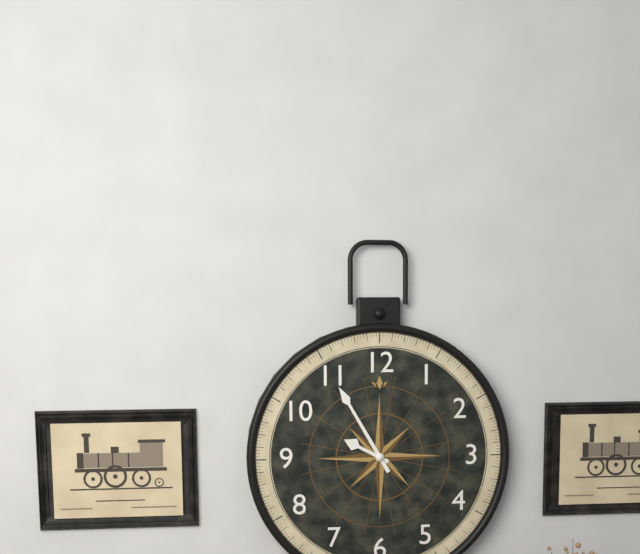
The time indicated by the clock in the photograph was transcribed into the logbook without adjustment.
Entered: 9:55
